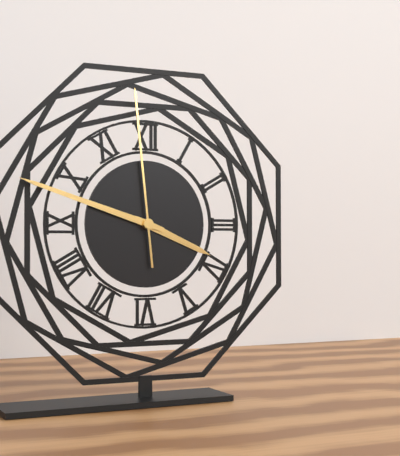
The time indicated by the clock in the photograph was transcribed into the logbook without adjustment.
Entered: 3:48:59
